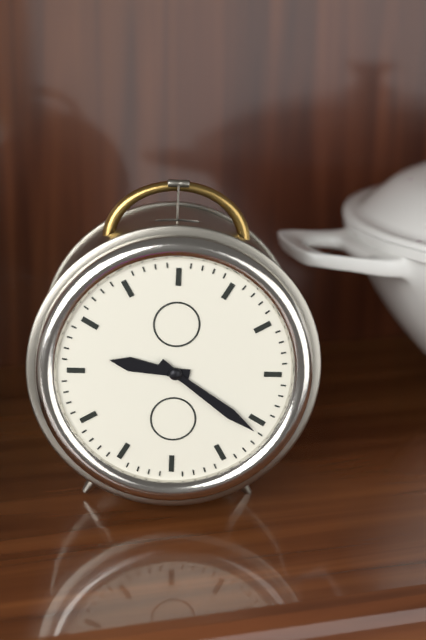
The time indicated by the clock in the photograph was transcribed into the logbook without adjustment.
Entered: 9:21
